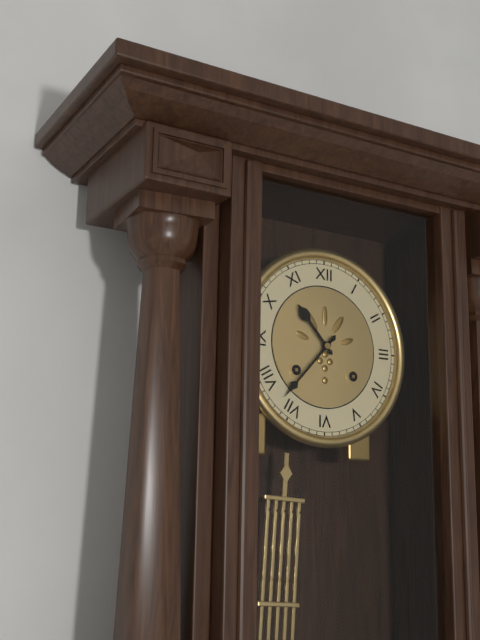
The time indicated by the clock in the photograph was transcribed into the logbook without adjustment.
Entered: 10:37
